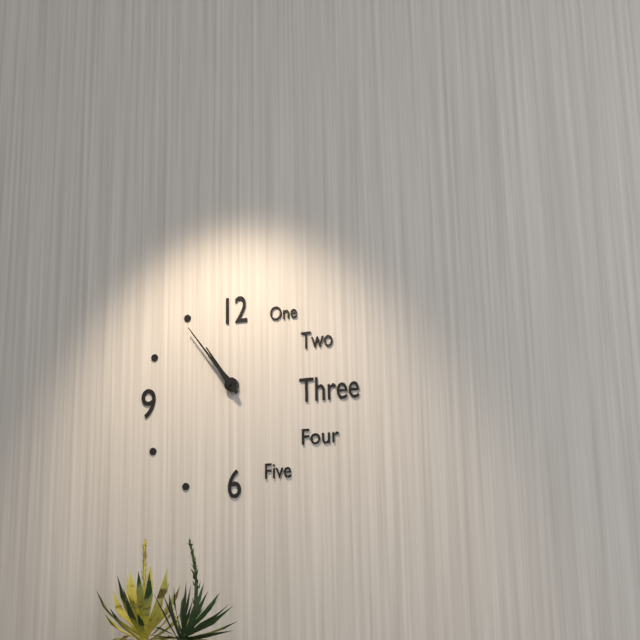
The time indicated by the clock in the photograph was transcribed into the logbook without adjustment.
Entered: 10:54
